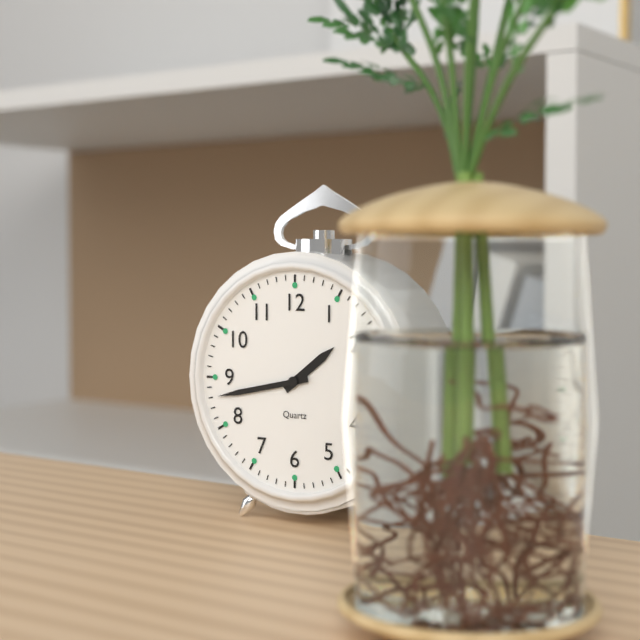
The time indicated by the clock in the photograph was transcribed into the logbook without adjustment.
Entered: 1:43
